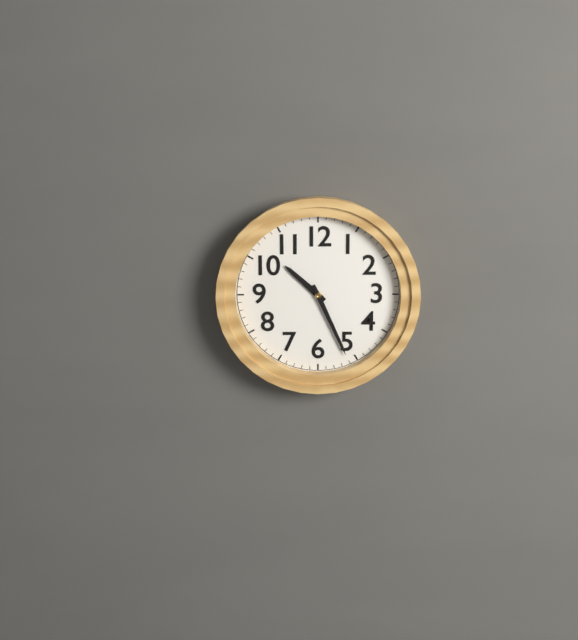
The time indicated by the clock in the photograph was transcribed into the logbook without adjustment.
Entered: 10:26
